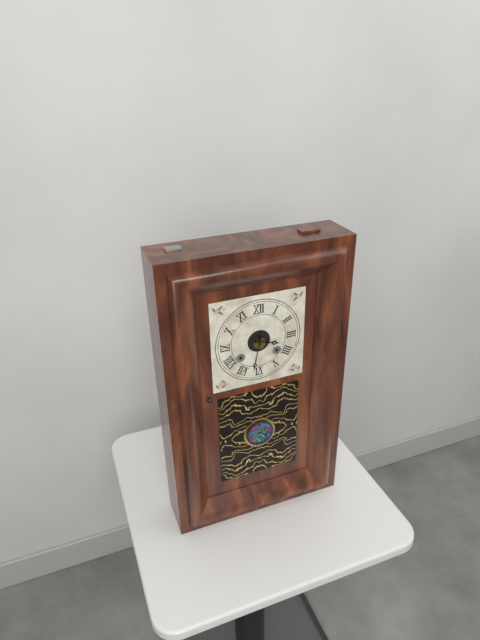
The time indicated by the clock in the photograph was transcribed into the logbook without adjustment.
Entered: 3:32
